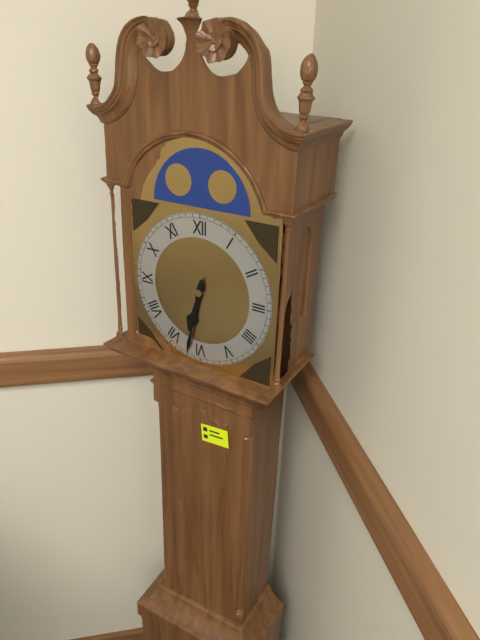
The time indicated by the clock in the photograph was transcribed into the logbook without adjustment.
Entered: 6:32
